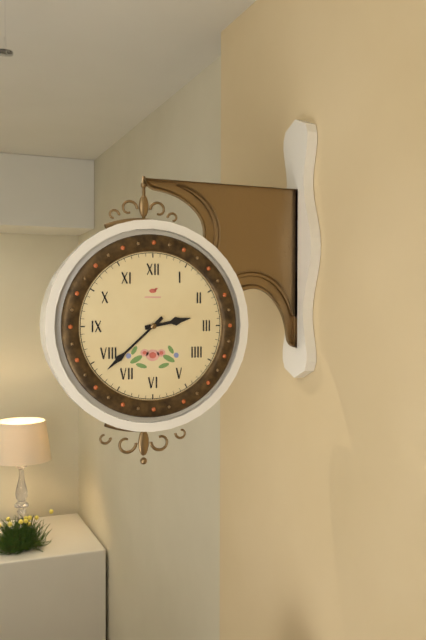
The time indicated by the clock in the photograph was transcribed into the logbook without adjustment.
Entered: 2:38
